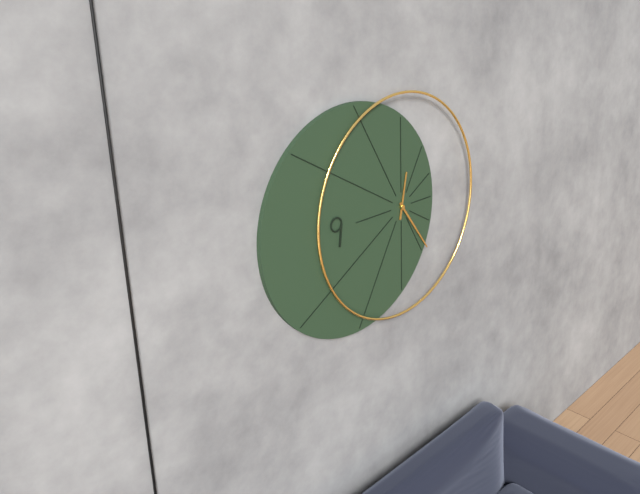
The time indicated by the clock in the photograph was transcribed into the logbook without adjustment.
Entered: 12:24
